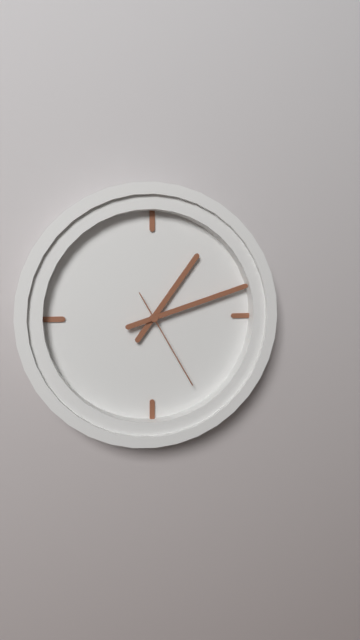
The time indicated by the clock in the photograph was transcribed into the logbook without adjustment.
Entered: 1:12:25
